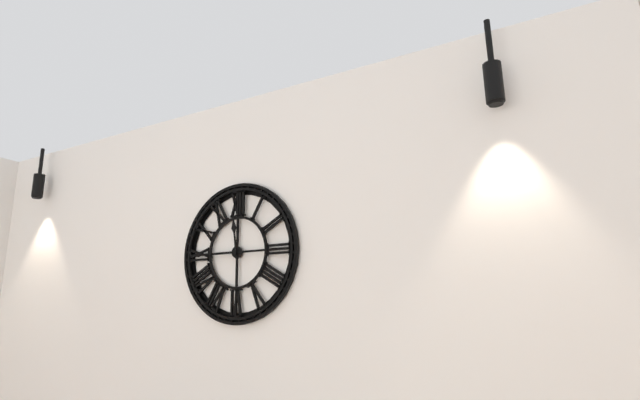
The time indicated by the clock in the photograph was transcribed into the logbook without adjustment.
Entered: 11:45
